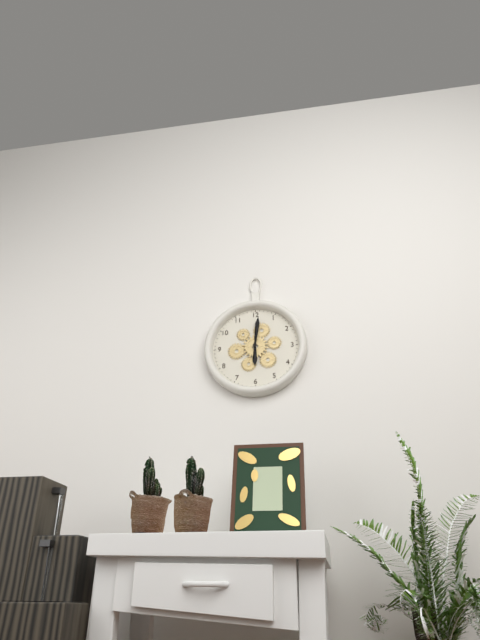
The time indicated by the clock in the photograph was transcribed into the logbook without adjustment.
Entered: 6:01
